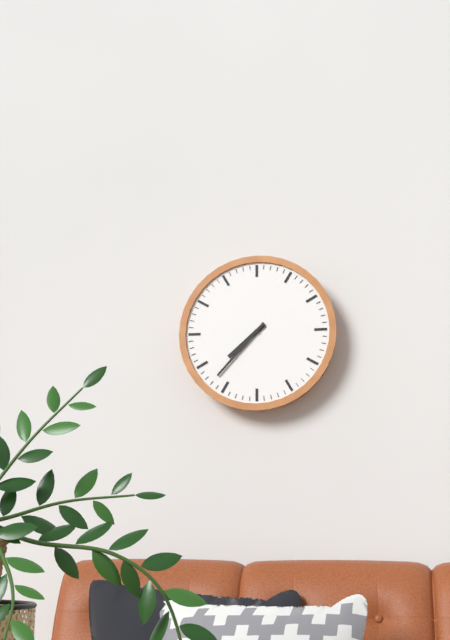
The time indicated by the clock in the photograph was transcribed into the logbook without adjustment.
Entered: 7:37
